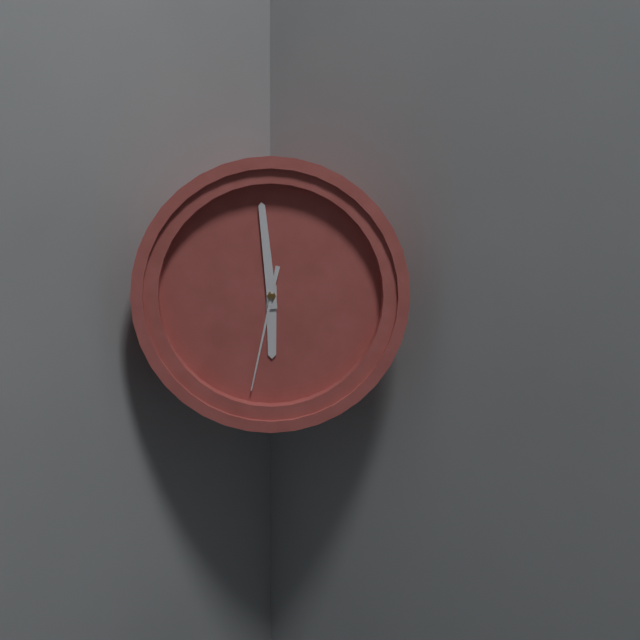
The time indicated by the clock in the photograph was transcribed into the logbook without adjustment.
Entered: 5:59:32
